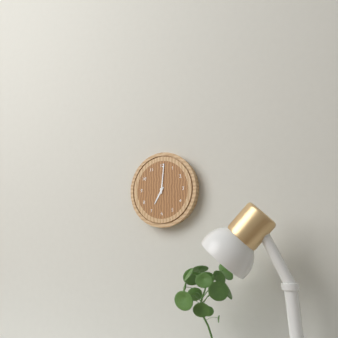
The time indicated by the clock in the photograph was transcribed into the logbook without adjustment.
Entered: 7:01
